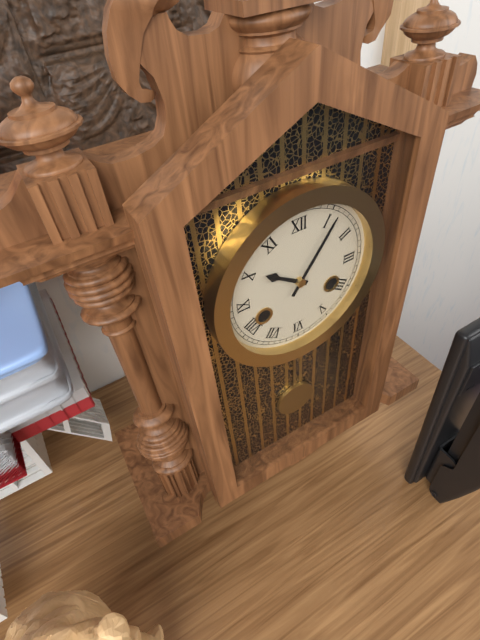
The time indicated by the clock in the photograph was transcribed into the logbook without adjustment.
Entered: 10:06
